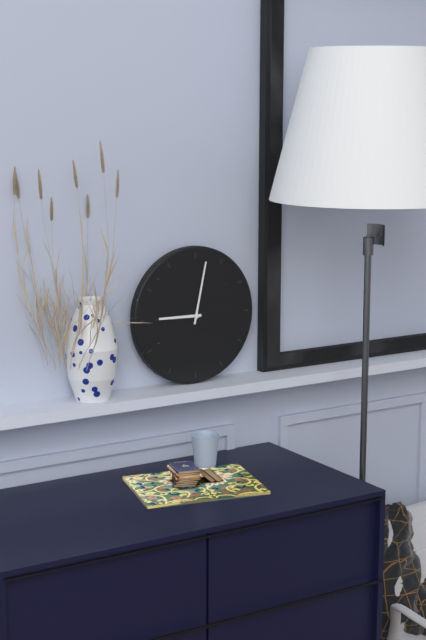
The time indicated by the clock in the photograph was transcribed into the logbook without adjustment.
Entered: 9:02
